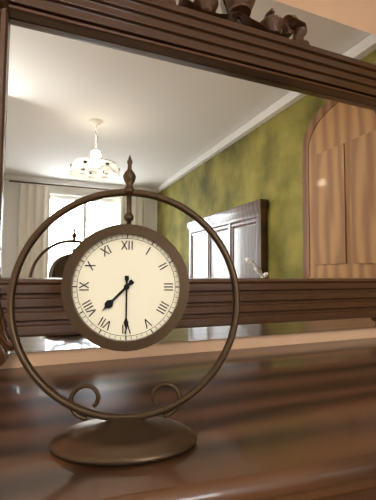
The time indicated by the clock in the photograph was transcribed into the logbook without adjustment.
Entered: 7:30
